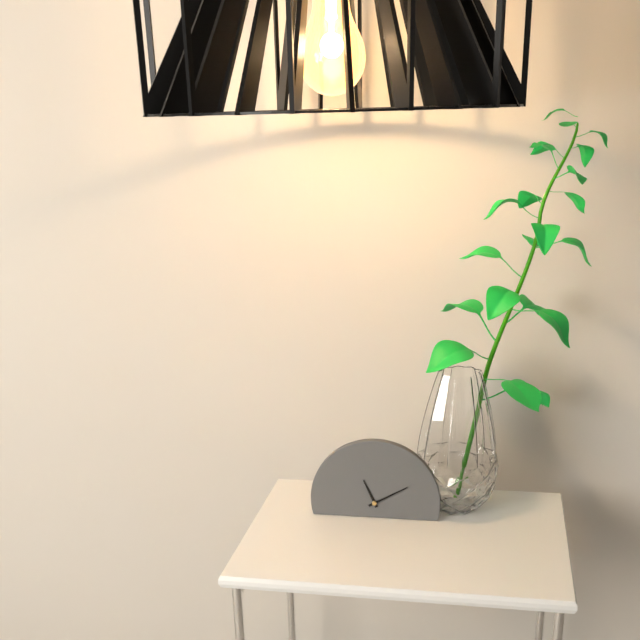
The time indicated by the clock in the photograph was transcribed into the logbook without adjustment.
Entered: 11:10
